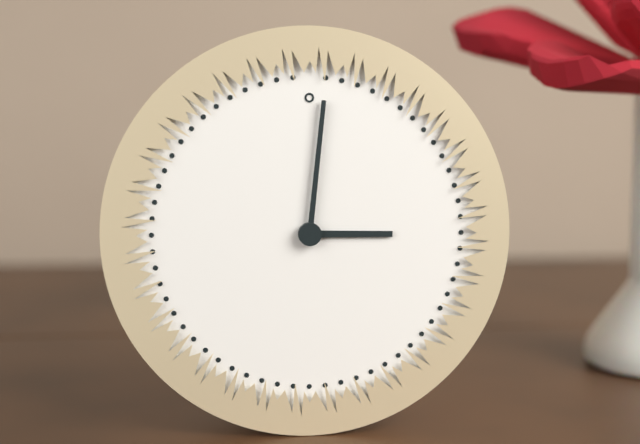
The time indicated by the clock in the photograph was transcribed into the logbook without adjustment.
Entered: 3:01
